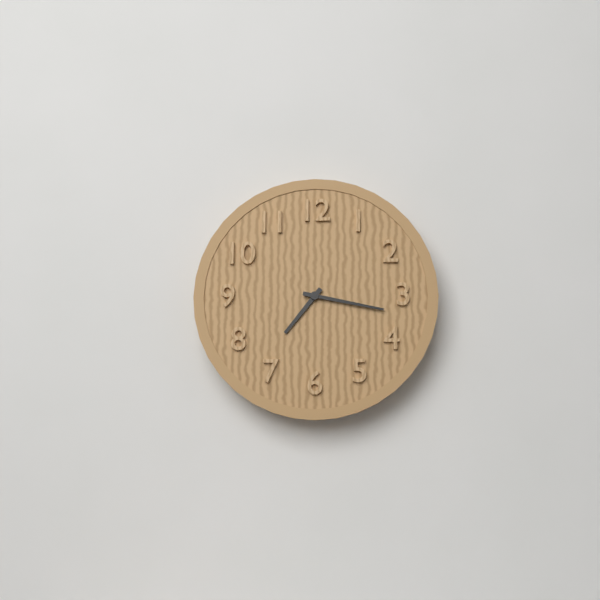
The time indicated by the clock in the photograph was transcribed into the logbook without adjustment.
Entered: 7:17
